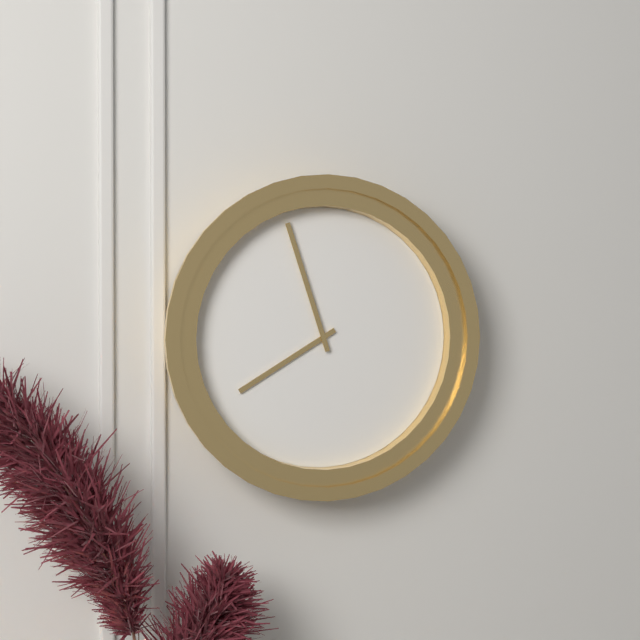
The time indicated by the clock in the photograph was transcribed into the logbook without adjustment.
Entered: 7:57
